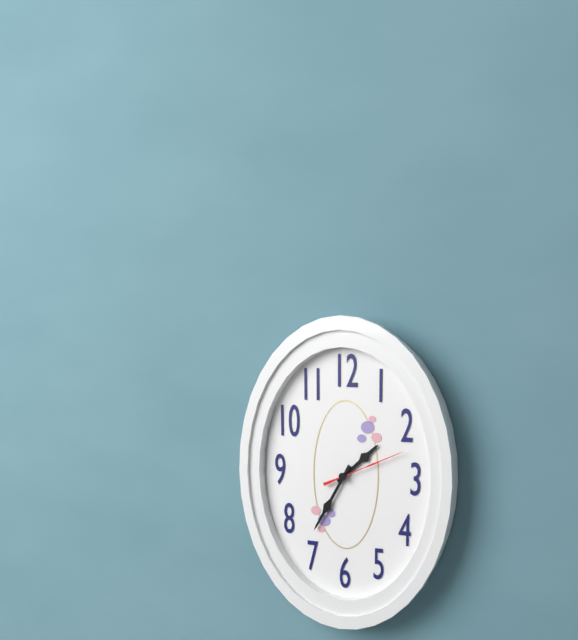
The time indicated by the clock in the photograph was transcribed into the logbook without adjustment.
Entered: 1:35:11
